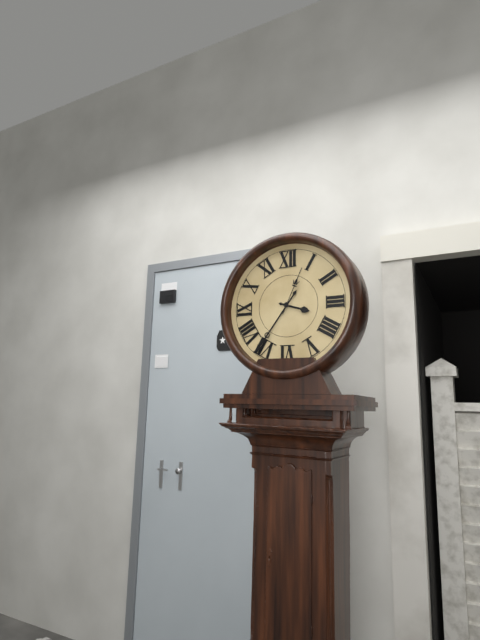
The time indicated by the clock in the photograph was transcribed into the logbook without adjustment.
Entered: 3:36:04
